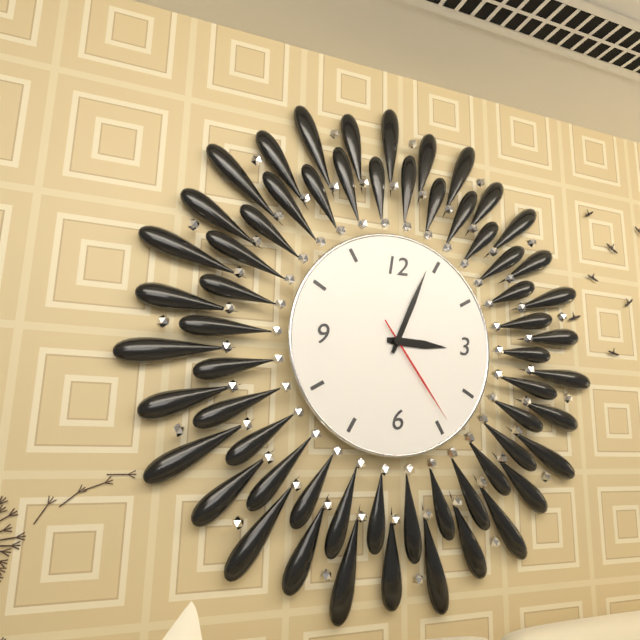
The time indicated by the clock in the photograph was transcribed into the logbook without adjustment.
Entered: 3:04:24
